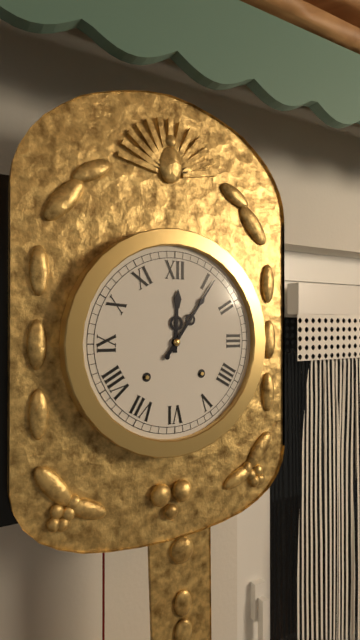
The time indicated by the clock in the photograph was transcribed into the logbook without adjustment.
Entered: 12:06
